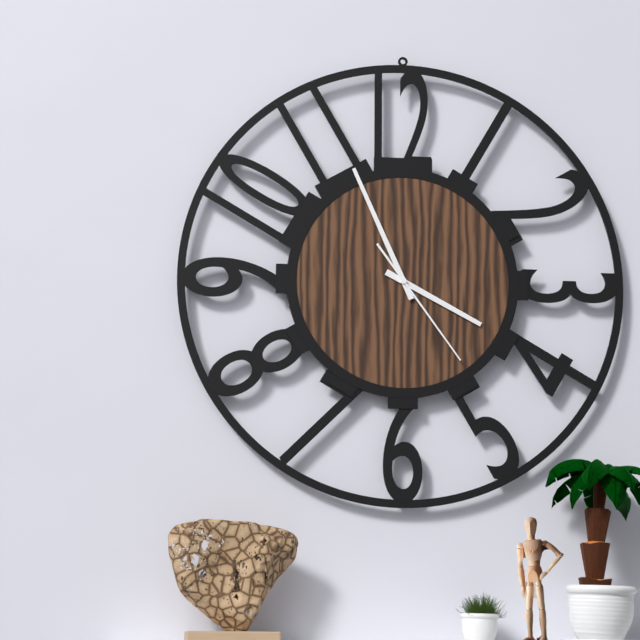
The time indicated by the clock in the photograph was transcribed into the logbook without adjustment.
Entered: 3:56:24
